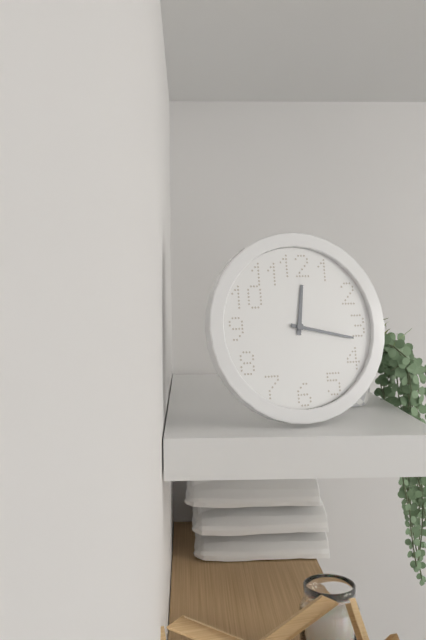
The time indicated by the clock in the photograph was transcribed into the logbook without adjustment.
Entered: 12:17
